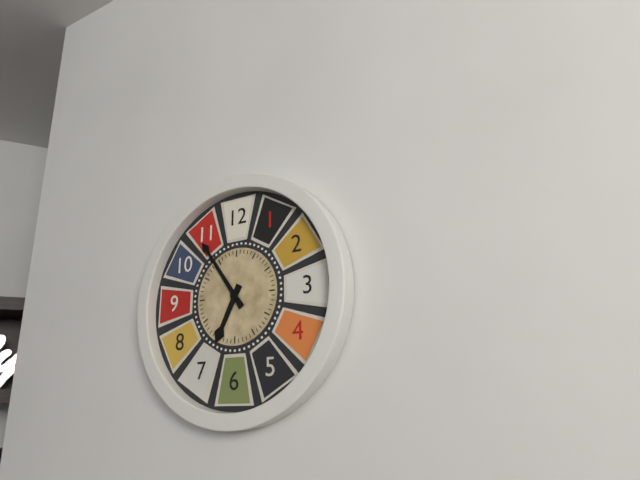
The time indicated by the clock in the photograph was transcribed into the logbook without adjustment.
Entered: 6:54
